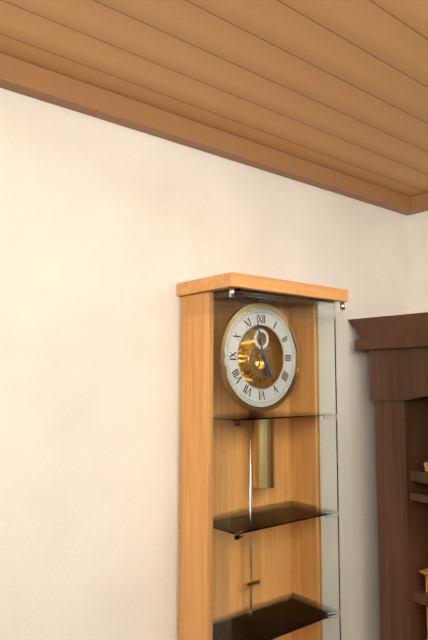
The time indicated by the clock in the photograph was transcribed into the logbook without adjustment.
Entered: 4:58
